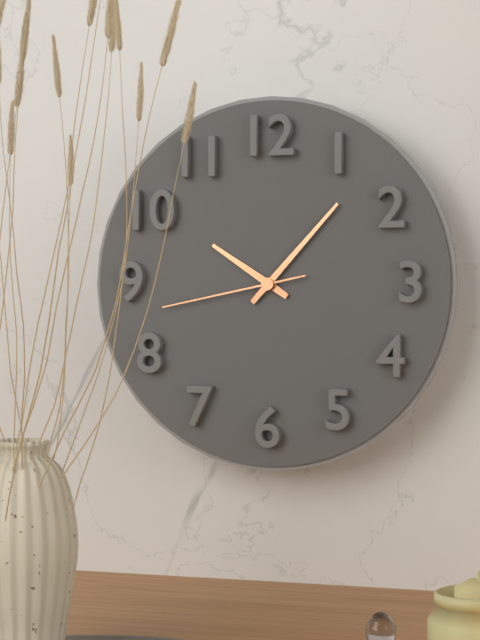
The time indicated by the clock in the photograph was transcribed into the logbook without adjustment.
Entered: 10:07:43
